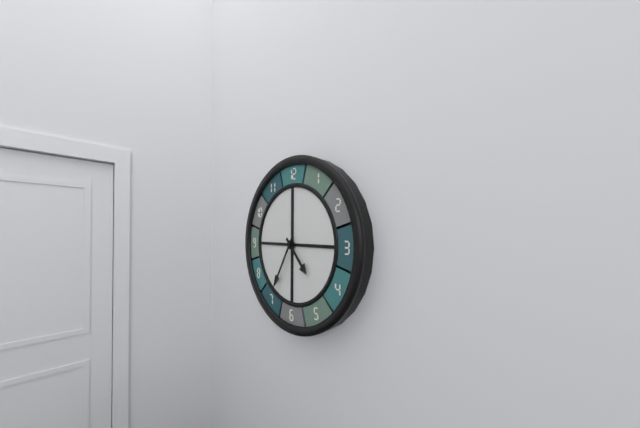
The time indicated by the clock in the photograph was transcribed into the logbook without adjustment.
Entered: 4:35
